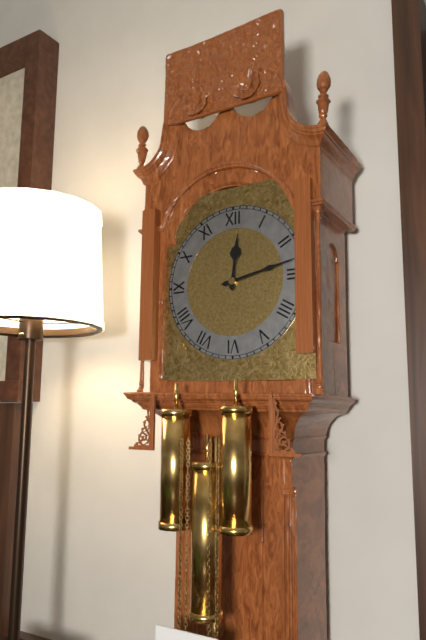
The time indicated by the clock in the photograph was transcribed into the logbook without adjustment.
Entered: 12:13
